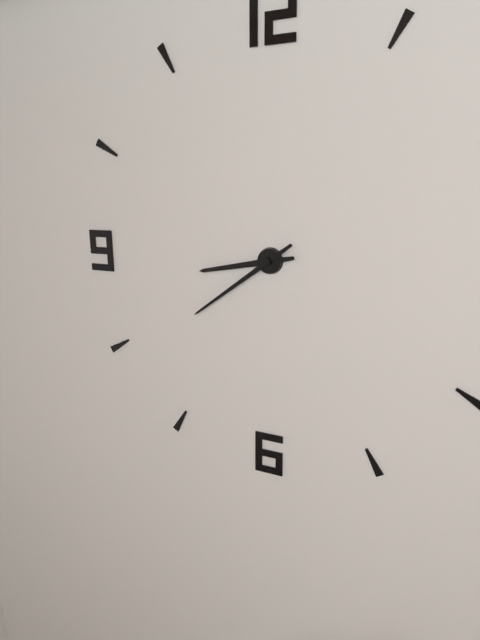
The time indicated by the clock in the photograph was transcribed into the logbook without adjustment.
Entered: 8:39
